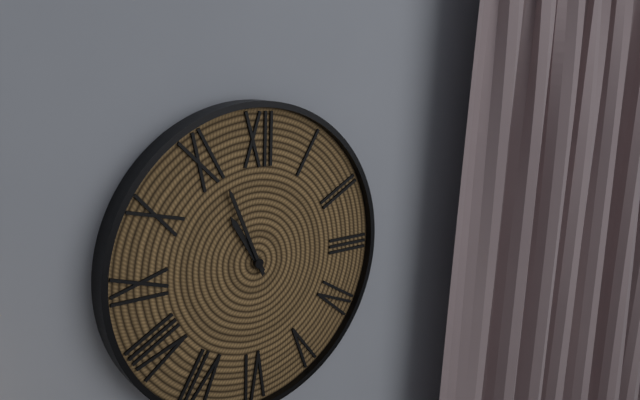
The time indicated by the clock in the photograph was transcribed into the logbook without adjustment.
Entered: 10:56
